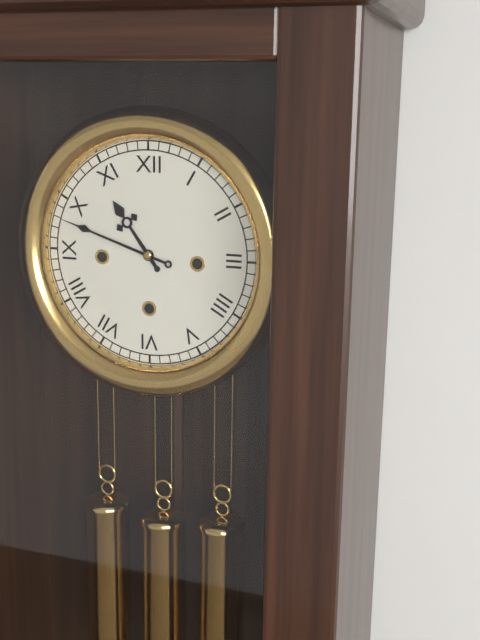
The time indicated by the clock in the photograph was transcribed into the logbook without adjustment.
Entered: 10:48
